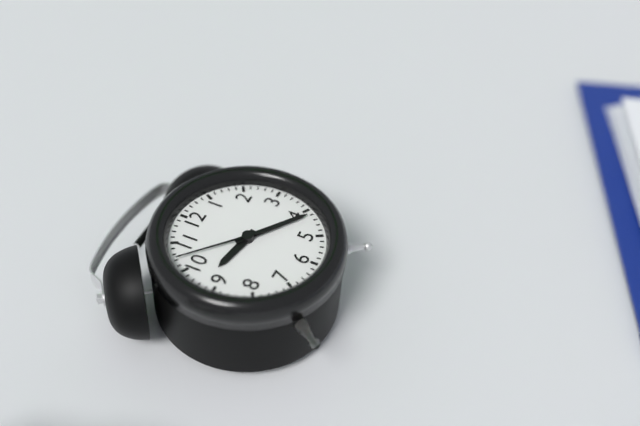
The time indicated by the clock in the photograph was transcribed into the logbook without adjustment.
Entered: 9:21:52
